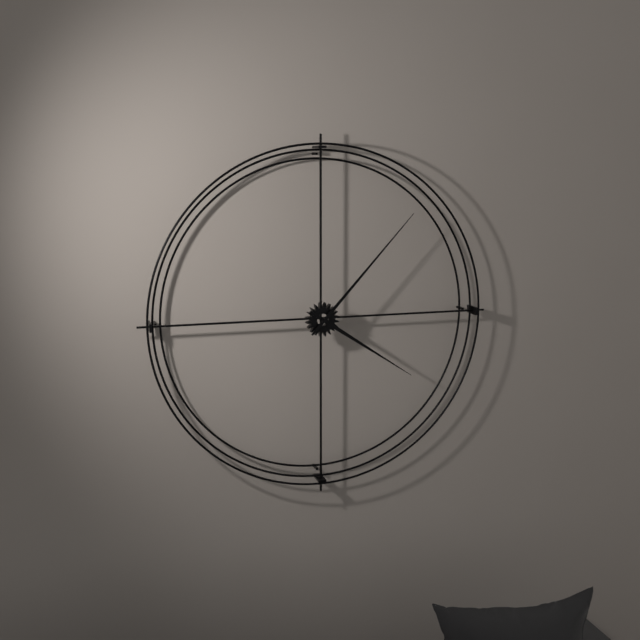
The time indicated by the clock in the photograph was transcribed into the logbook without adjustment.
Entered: 4:07
